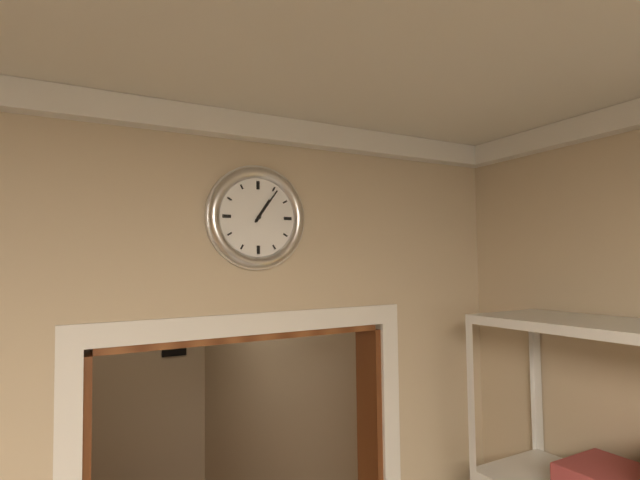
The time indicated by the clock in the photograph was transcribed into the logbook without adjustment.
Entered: 1:06
